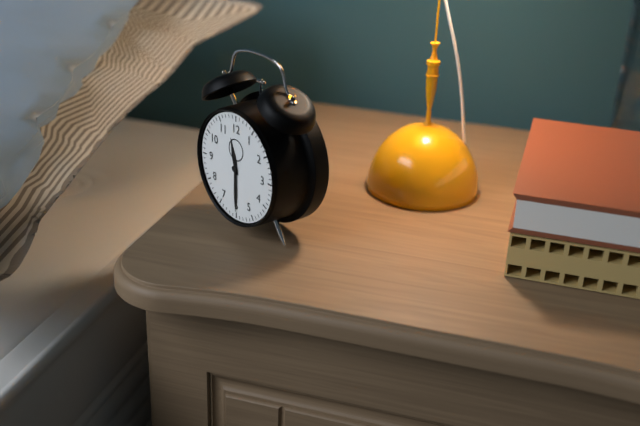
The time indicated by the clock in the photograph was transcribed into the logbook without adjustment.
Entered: 11:30
